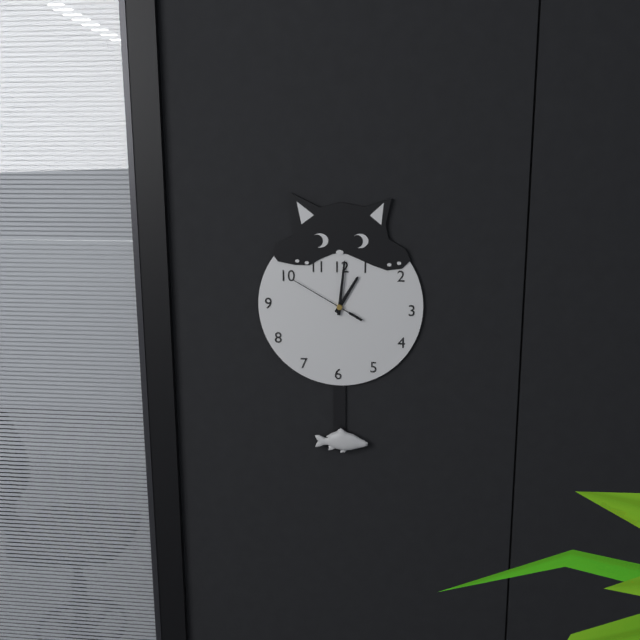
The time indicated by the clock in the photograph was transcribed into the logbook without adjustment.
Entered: 1:01:50
